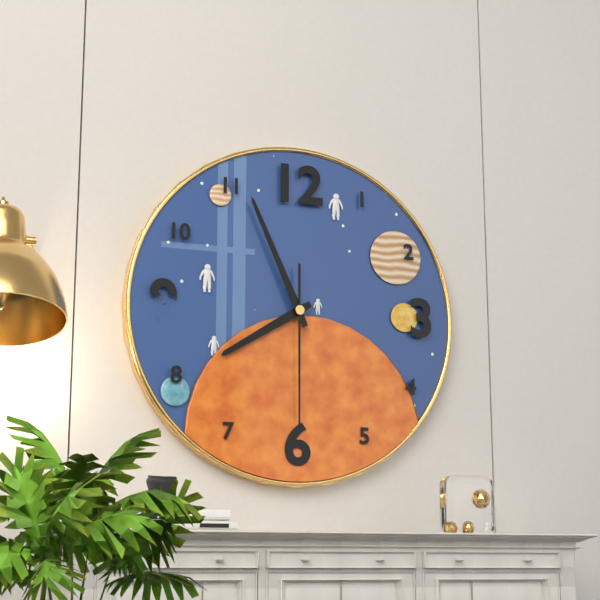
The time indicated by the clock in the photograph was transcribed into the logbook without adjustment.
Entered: 7:56:30
